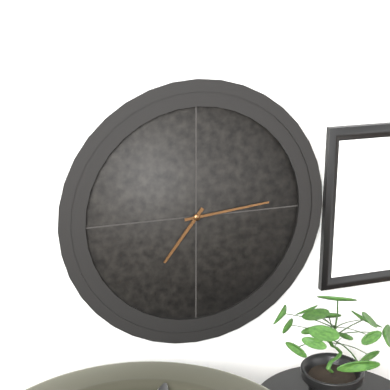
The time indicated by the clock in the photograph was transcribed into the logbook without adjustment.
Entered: 7:14
